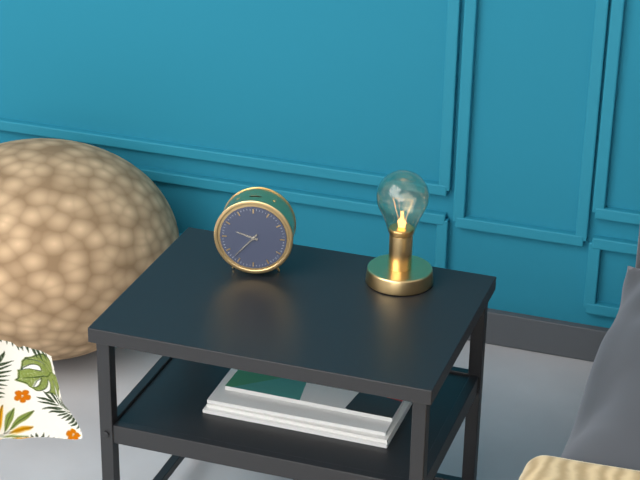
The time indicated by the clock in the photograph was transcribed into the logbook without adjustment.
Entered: 9:37
